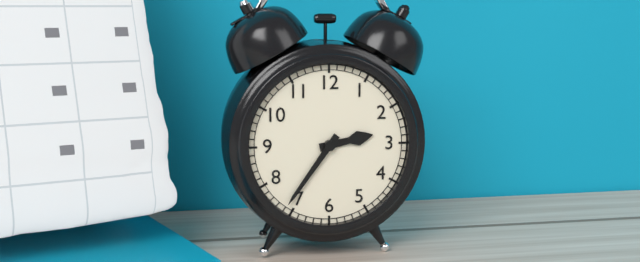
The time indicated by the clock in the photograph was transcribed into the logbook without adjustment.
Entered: 2:36
